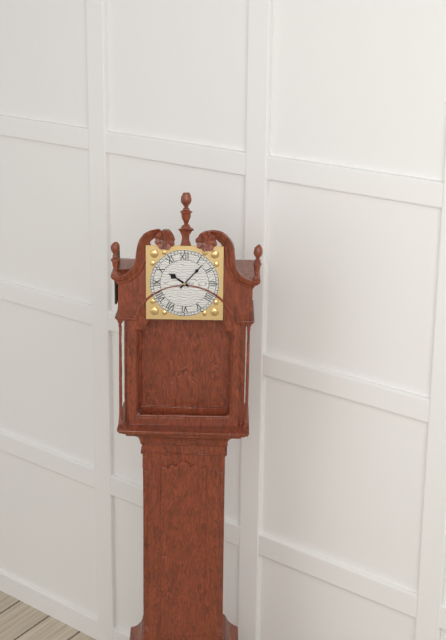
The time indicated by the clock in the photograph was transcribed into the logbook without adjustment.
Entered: 10:07
